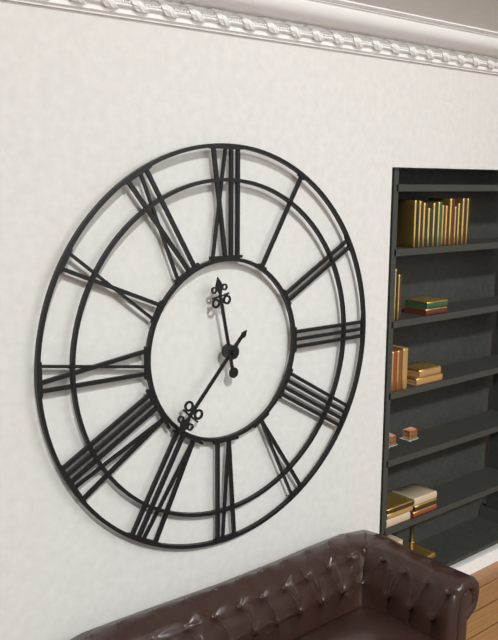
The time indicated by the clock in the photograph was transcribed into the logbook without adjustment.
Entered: 11:37
